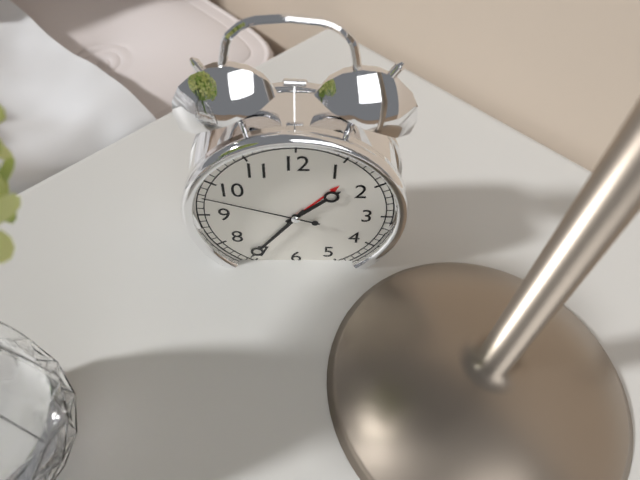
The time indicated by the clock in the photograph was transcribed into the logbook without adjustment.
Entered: 1:36:48
